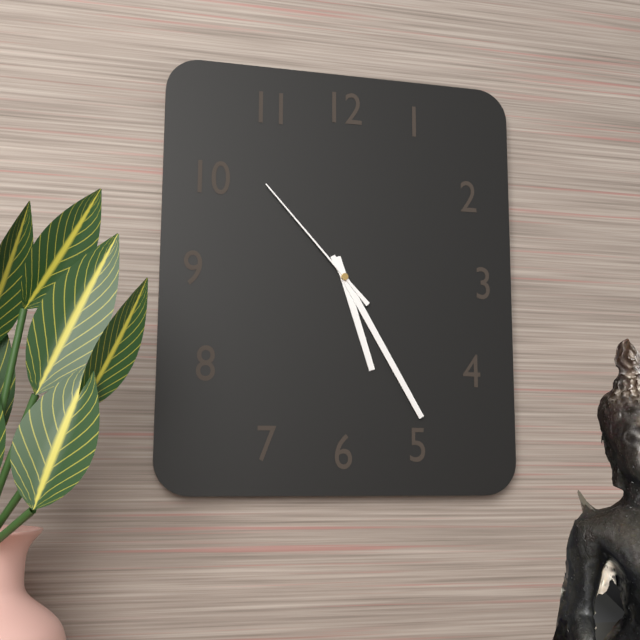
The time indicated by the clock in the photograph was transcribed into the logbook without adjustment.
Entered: 5:25:53
